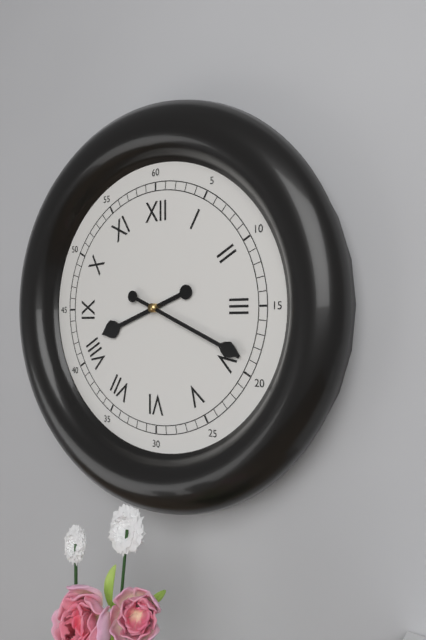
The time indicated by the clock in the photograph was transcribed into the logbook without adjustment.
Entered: 8:19
